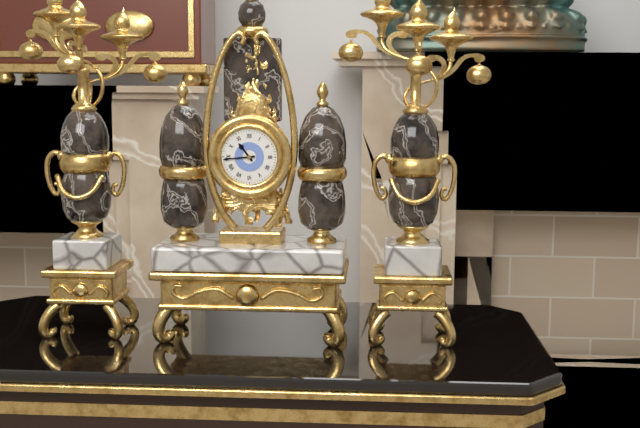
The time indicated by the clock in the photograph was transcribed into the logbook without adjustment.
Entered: 10:44
